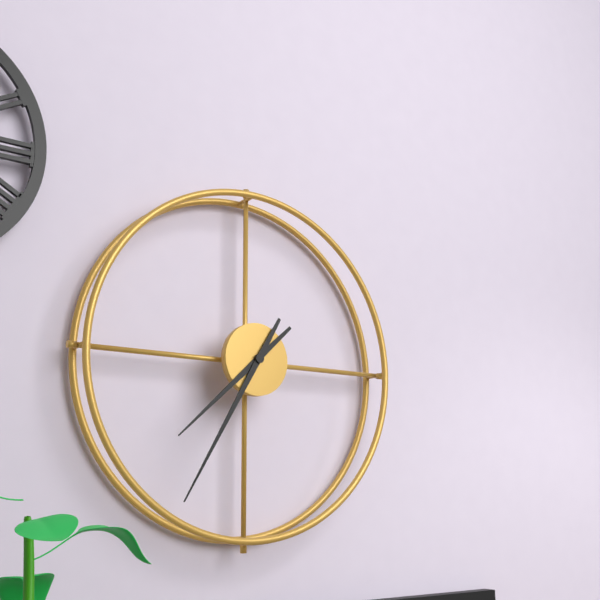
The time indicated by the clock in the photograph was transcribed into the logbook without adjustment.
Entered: 7:35
